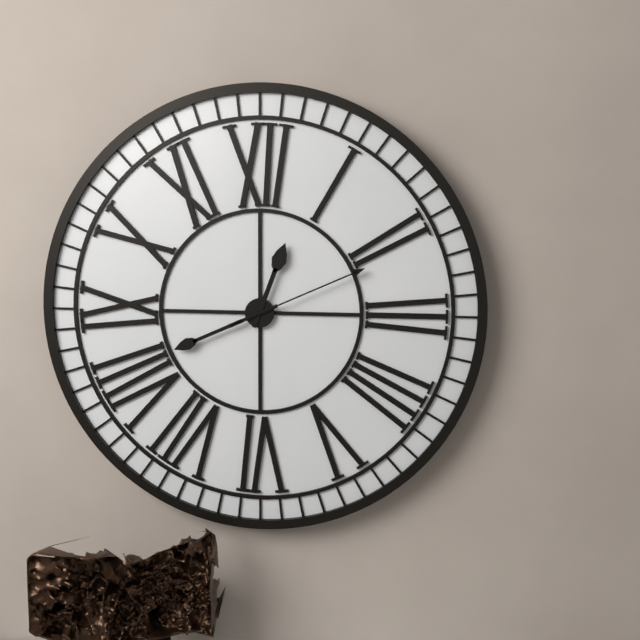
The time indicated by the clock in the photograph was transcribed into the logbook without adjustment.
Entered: 12:41:11
